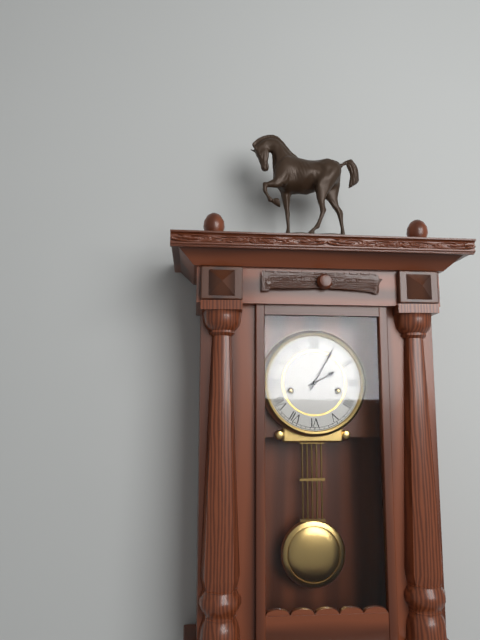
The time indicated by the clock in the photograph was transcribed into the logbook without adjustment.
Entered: 2:05
